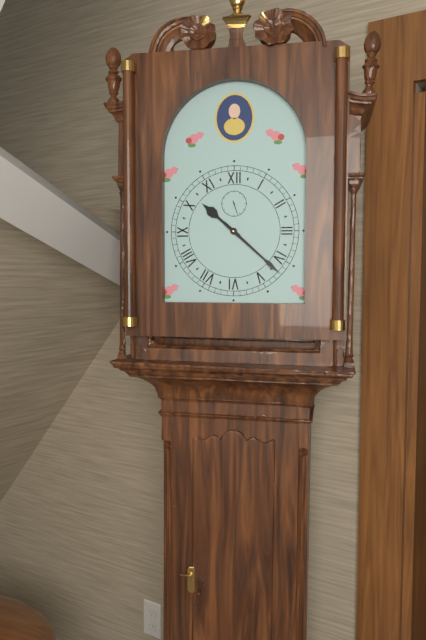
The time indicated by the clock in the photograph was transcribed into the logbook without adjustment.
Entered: 10:22
